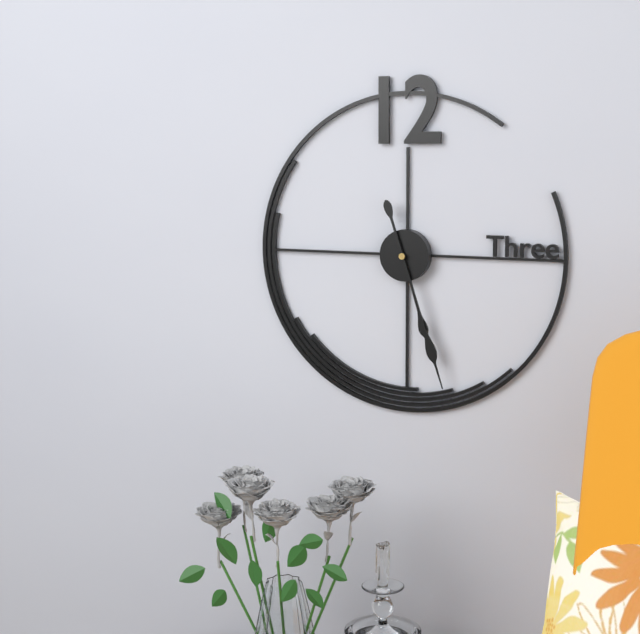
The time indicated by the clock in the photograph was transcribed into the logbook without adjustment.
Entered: 5:27
